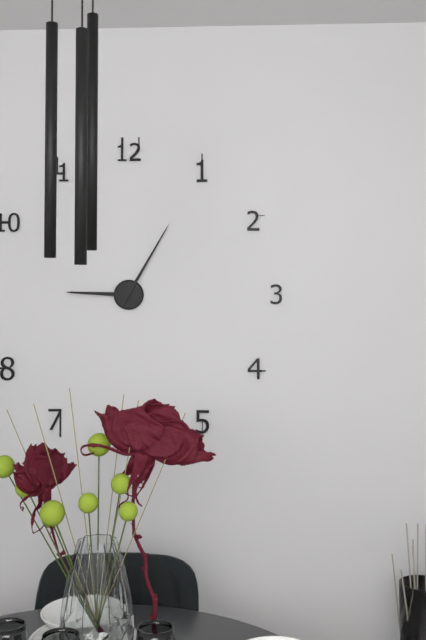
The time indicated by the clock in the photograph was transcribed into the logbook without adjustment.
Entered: 9:05
